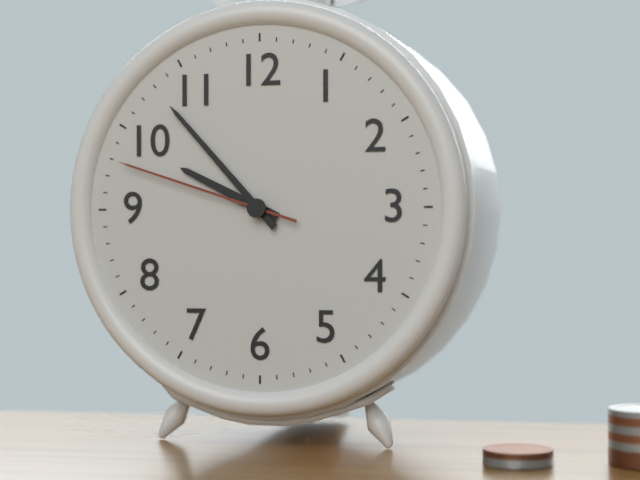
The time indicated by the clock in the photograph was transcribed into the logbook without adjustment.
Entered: 9:53:48
